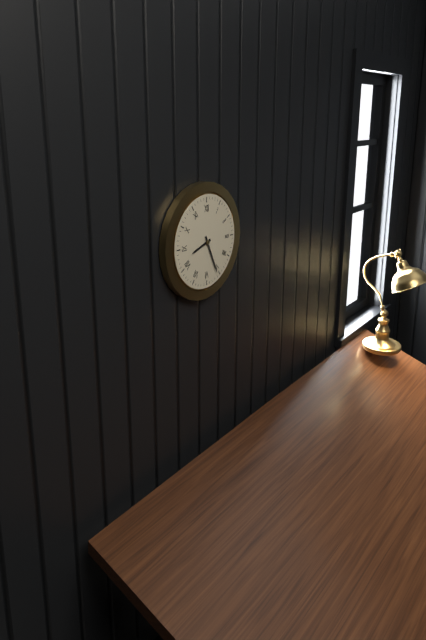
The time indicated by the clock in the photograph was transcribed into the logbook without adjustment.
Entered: 8:26
